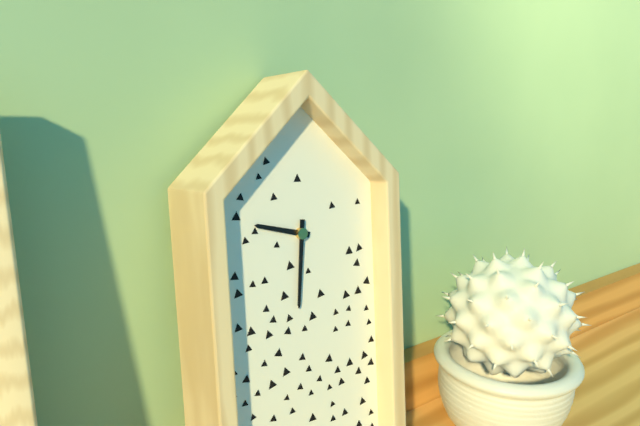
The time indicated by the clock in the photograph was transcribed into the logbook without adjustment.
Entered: 9:31
